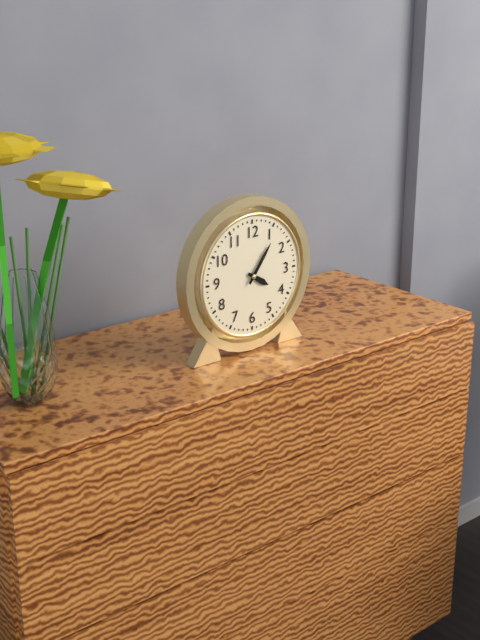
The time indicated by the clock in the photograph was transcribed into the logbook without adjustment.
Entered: 4:06
